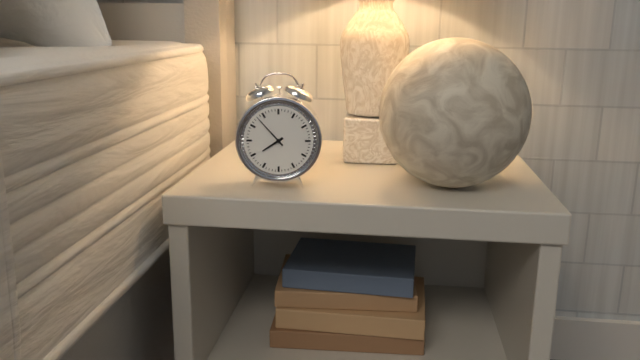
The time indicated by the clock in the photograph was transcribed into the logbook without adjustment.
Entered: 7:53
